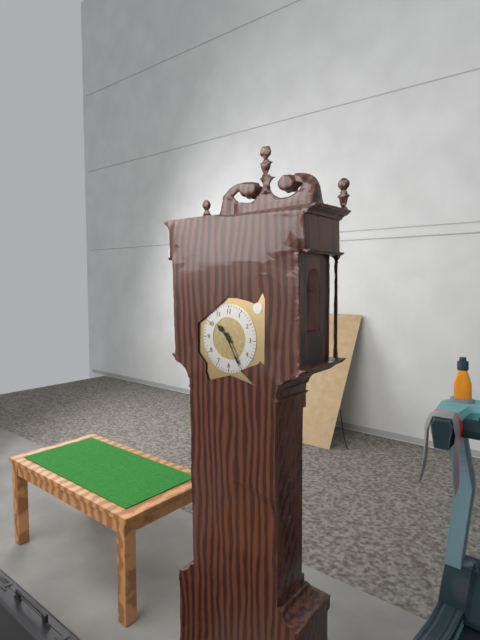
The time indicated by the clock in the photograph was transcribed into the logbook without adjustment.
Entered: 10:25
